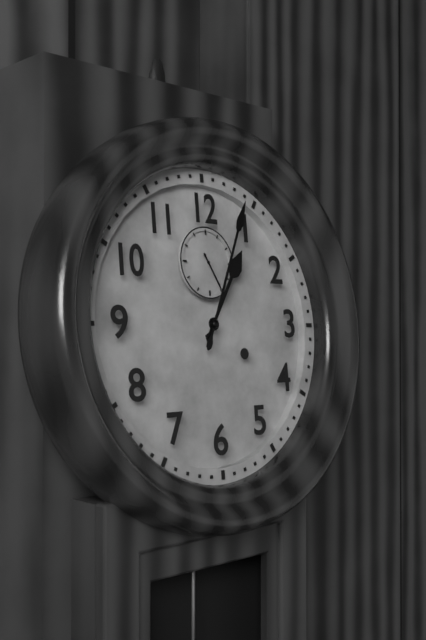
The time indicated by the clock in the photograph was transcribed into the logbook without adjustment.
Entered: 1:04
